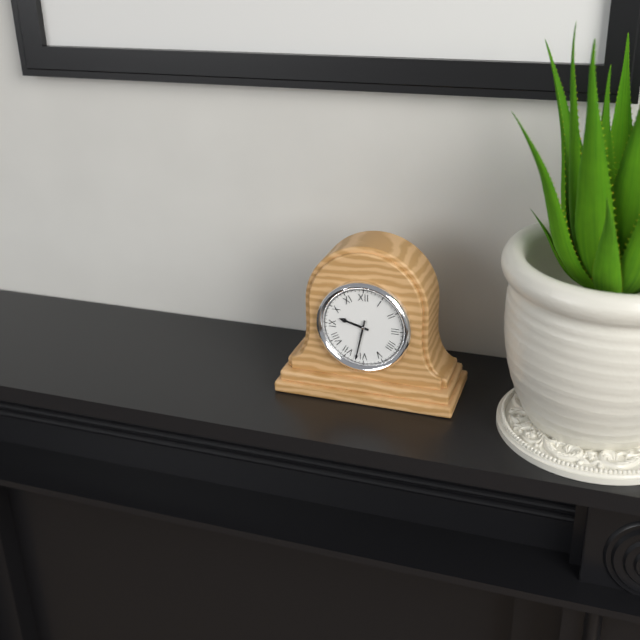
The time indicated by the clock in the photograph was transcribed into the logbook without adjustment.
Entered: 9:32
